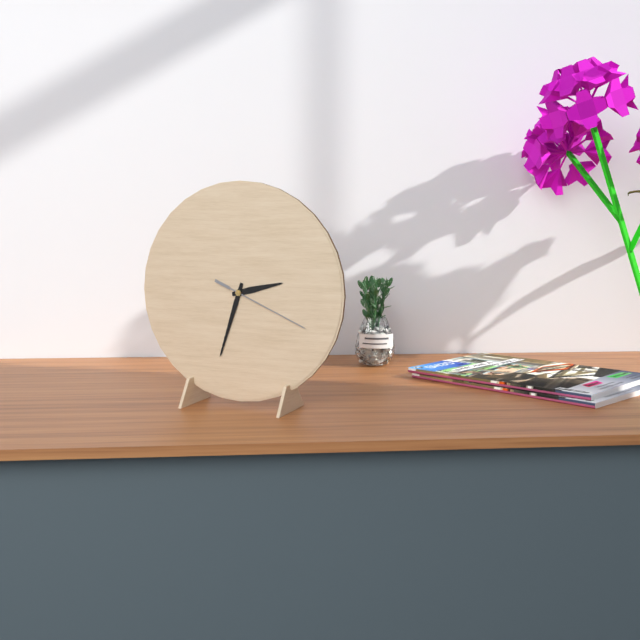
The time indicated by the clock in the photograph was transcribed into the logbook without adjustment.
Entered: 2:33:19
